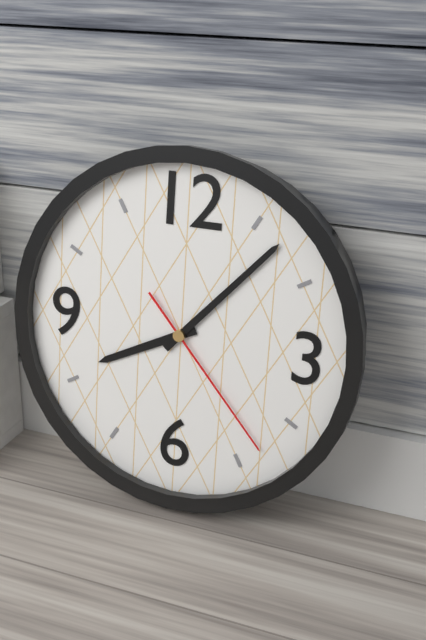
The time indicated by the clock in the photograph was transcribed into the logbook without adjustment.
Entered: 8:07:23
